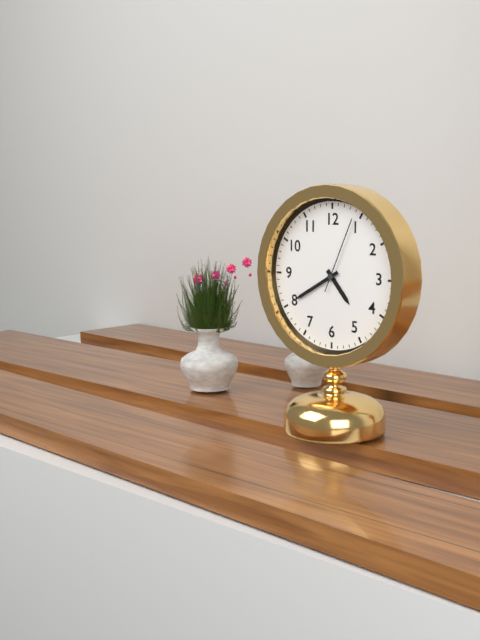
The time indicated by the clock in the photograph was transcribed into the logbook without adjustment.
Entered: 4:40:04
